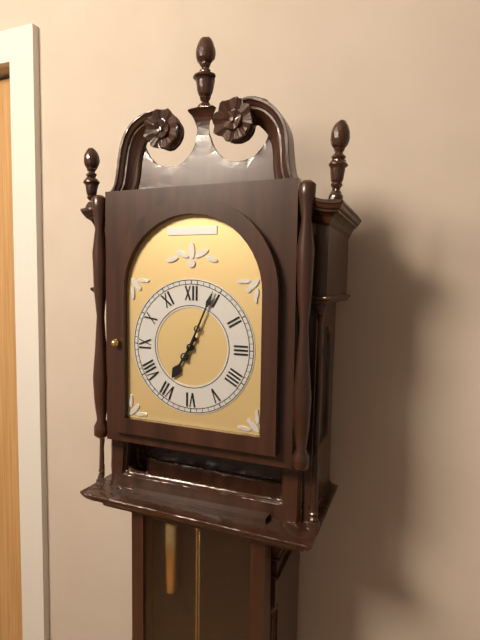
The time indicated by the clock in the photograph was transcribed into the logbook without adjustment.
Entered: 7:04
